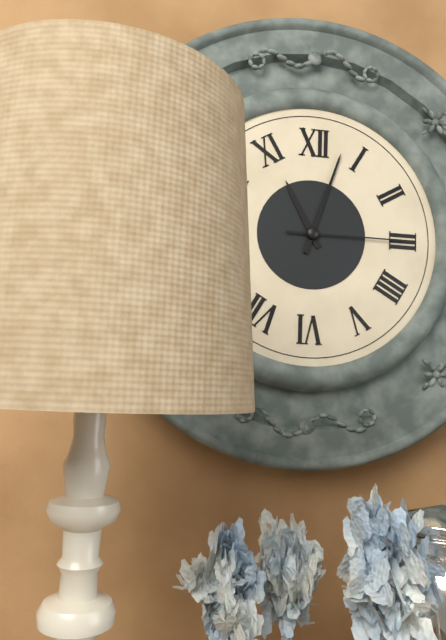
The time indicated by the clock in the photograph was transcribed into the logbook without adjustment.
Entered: 11:03:15
